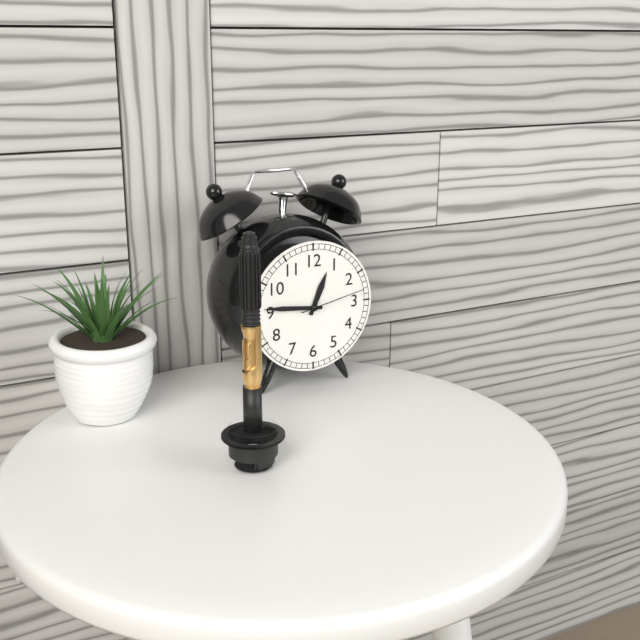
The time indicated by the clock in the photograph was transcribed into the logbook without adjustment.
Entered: 12:46:13
